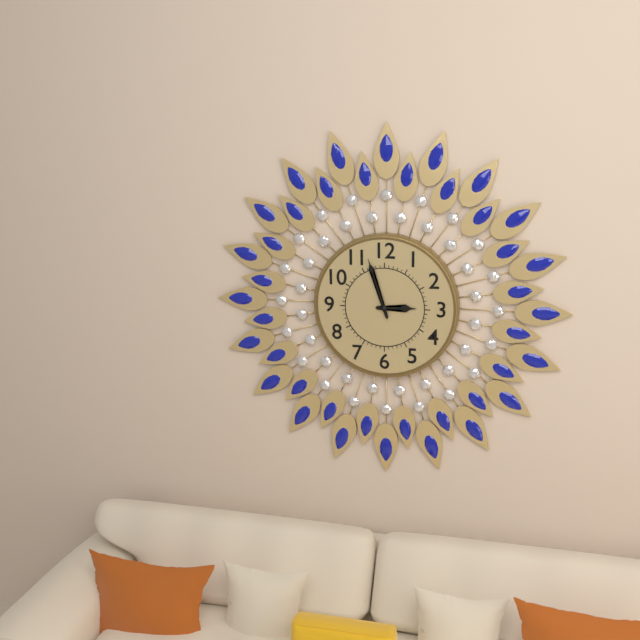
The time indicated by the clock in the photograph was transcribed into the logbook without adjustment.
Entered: 2:57
